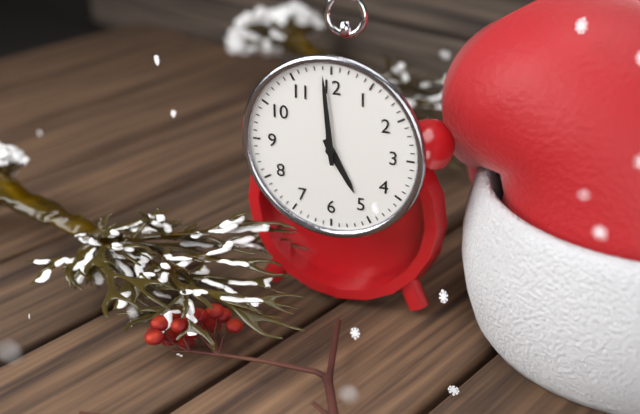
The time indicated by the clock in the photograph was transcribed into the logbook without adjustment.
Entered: 4:59
